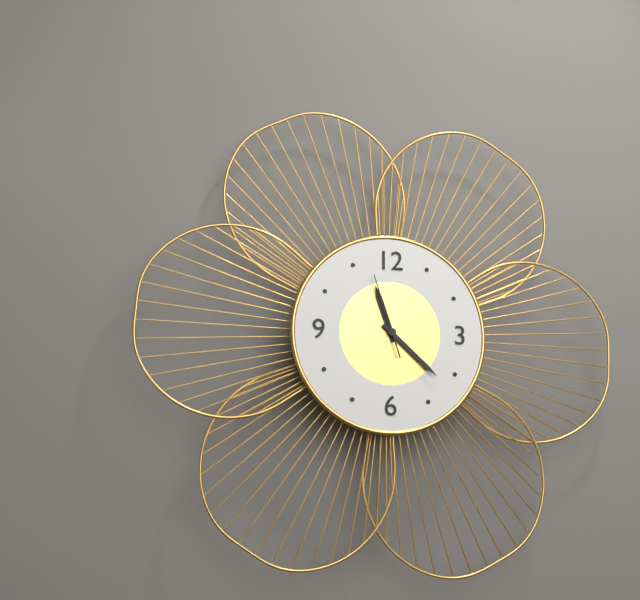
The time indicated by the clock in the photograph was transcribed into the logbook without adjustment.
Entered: 11:22:57
